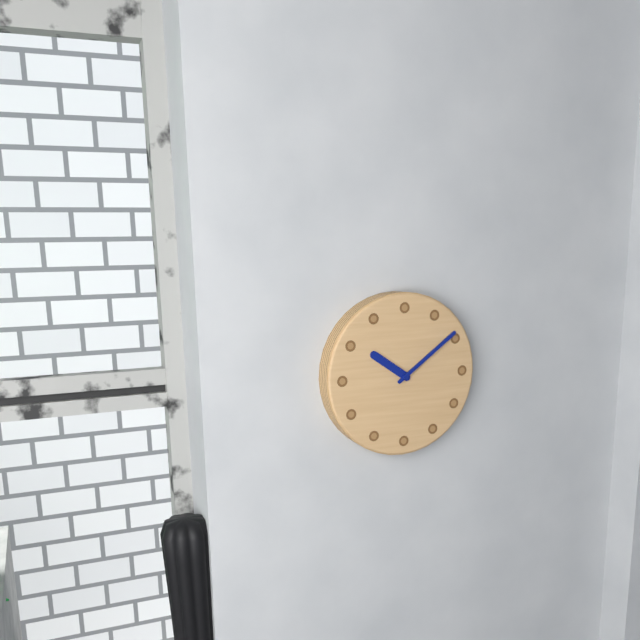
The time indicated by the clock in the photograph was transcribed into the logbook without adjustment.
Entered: 10:09
